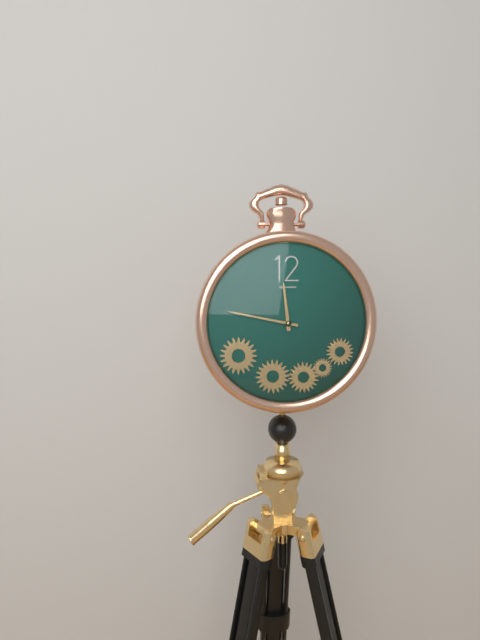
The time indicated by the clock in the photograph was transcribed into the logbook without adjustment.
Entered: 11:47
